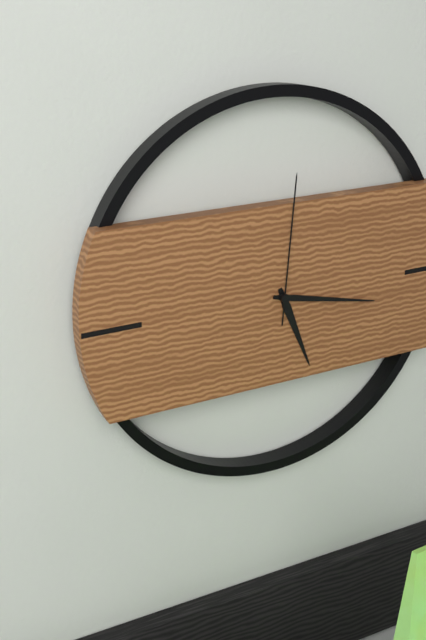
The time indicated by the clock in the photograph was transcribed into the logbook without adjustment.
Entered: 5:17:01
